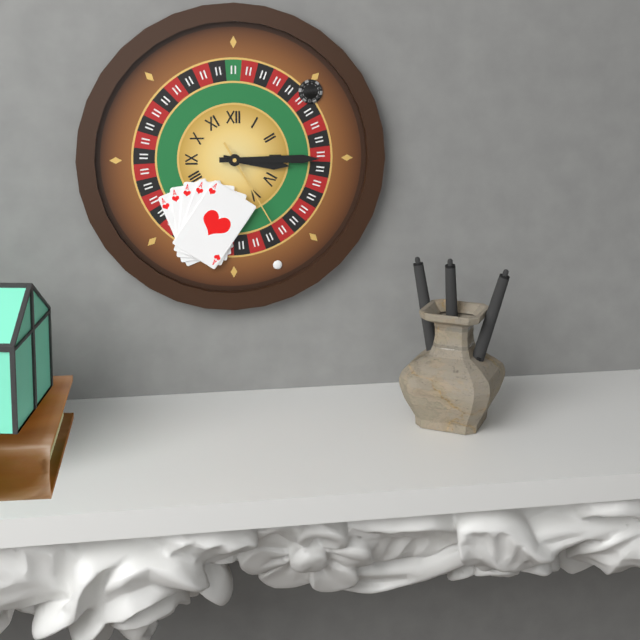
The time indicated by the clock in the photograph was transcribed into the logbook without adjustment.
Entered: 3:15:25
